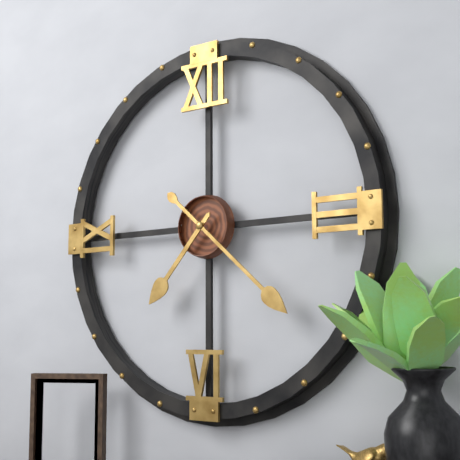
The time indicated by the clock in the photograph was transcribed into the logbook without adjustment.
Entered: 7:22
